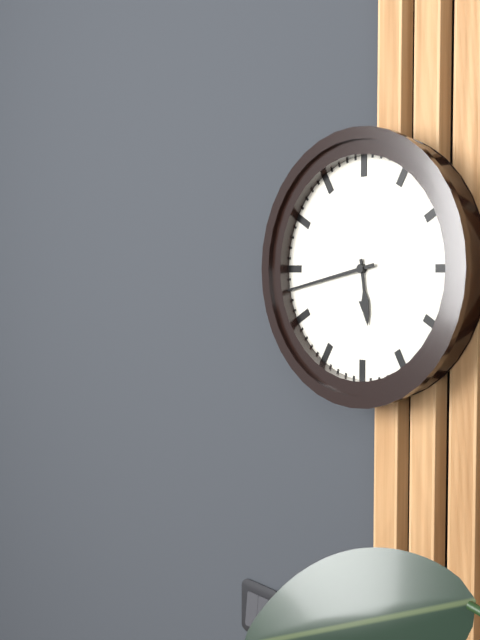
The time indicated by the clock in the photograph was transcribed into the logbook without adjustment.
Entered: 5:43
